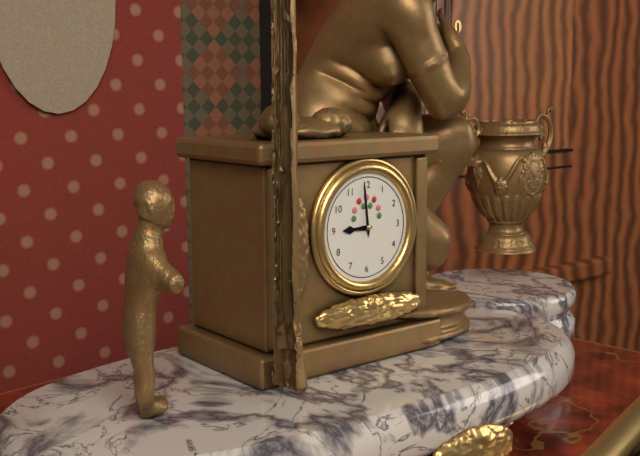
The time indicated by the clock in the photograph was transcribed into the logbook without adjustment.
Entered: 8:59
